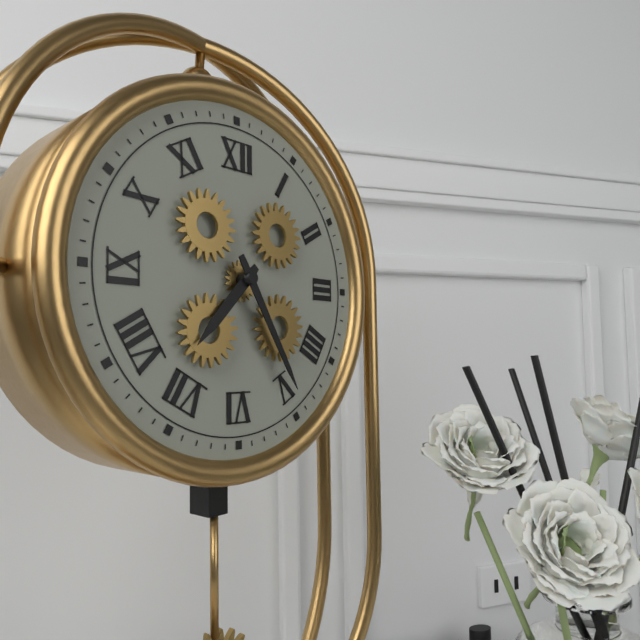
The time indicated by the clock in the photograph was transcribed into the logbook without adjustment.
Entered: 7:25
